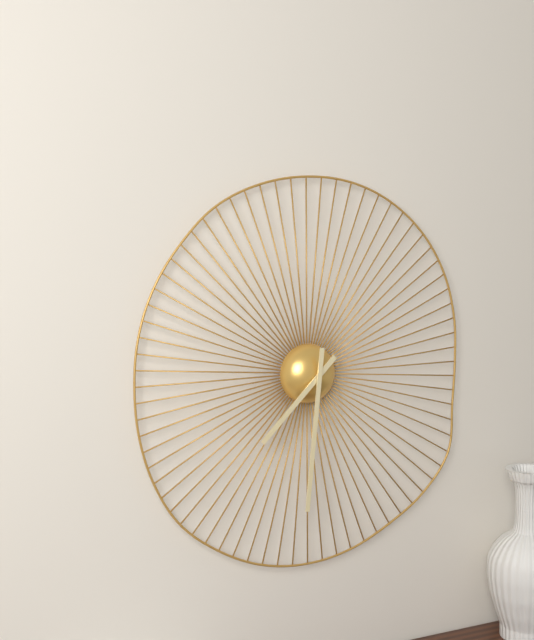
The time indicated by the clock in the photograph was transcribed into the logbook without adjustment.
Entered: 7:31
